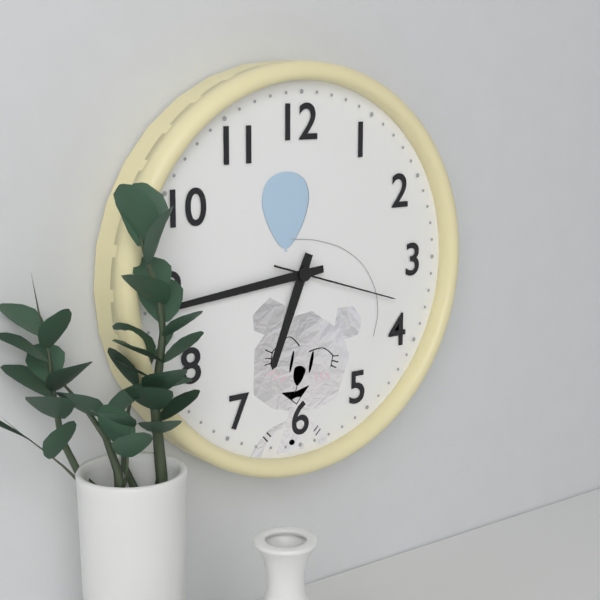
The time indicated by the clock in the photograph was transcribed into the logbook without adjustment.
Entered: 6:44:18
